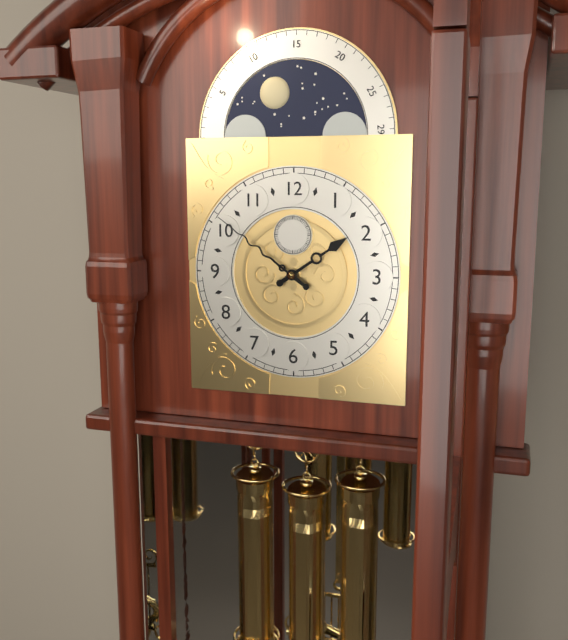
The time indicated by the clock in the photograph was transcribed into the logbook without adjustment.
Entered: 1:51
